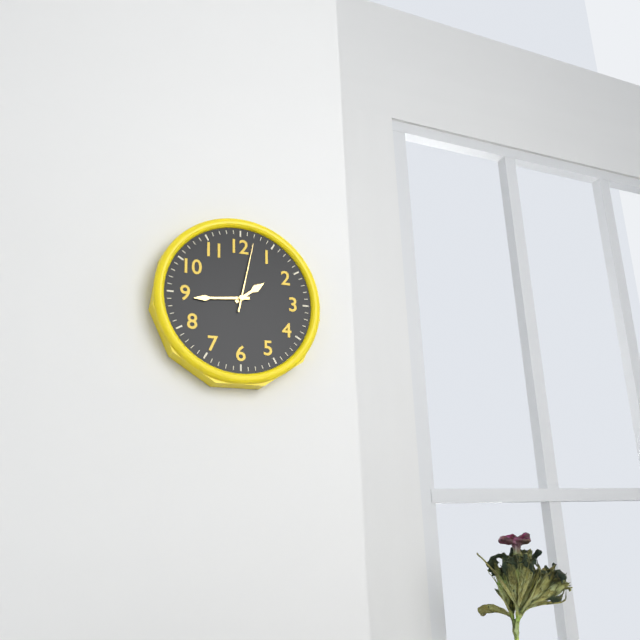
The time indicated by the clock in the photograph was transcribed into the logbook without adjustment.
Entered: 1:44:02
